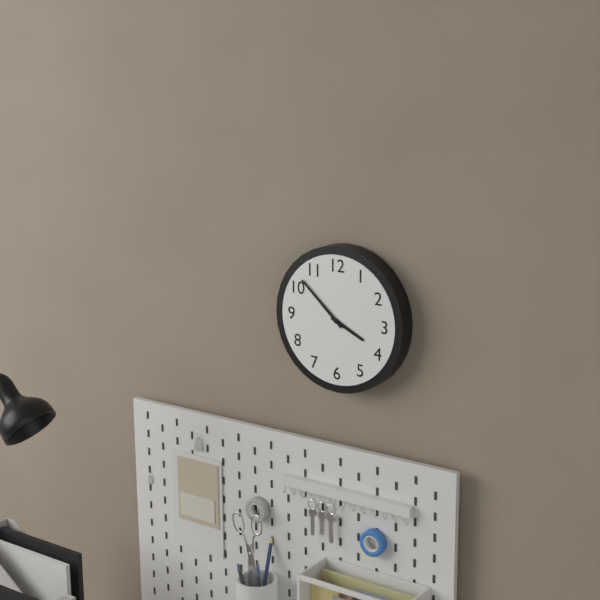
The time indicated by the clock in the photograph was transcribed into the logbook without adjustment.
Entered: 3:52
